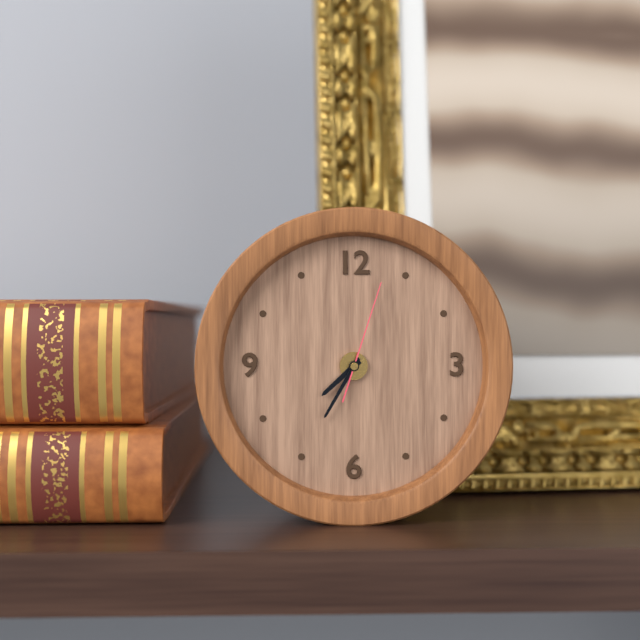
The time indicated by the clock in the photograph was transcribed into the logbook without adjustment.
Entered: 7:35:03
